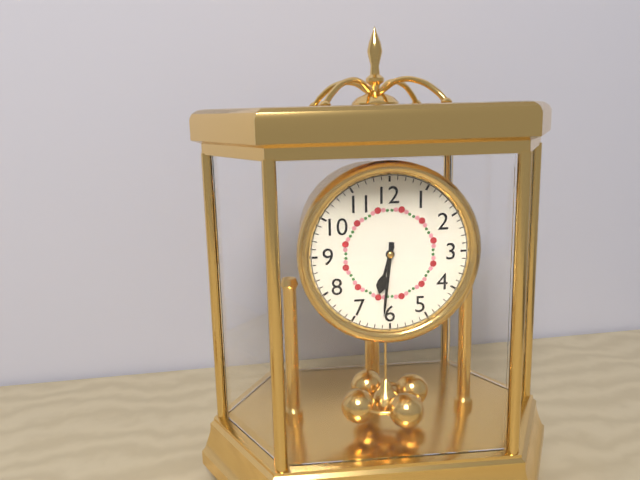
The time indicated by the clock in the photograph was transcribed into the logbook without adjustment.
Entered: 6:31
